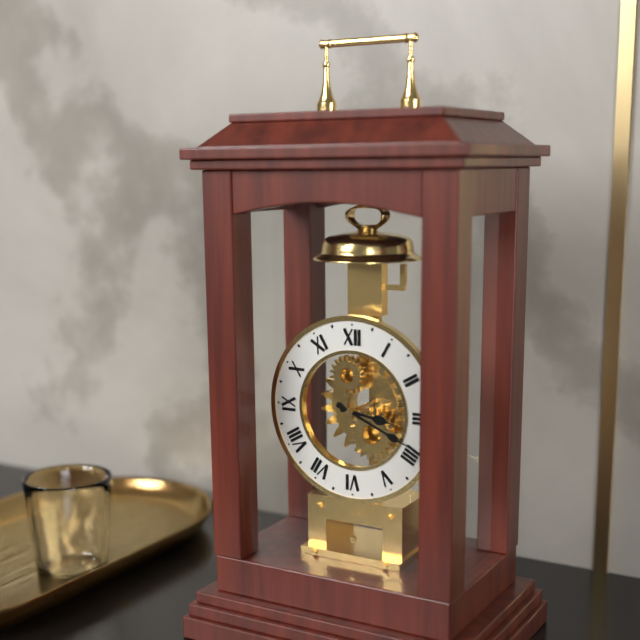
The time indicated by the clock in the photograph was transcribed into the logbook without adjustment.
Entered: 3:19
